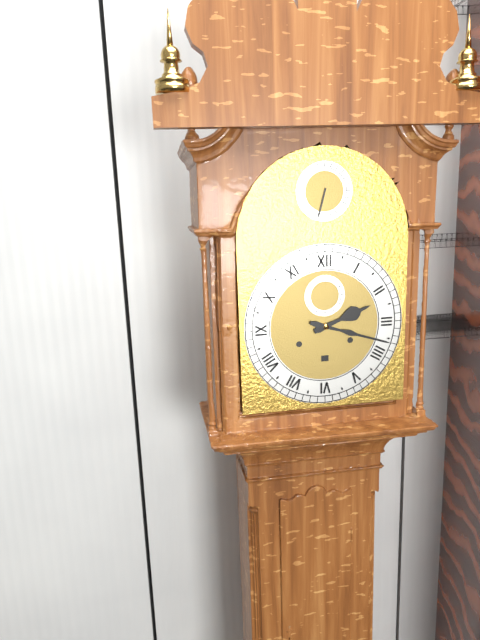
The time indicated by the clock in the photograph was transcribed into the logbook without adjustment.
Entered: 2:18
